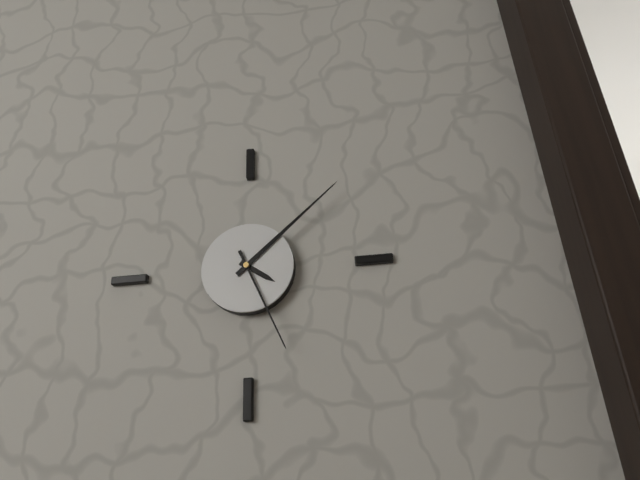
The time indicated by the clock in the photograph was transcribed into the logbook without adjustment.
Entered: 4:08:26
